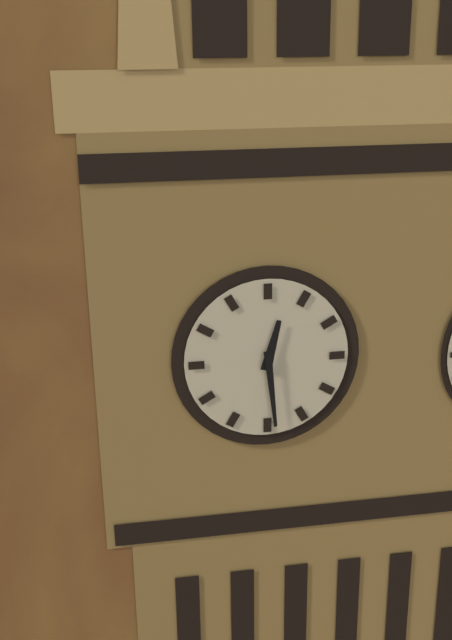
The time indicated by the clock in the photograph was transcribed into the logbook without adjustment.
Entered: 12:29
